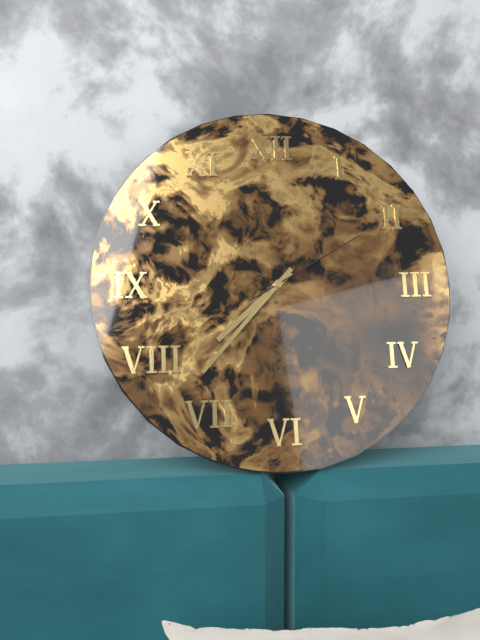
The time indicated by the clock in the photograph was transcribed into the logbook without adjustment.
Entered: 7:37:10
